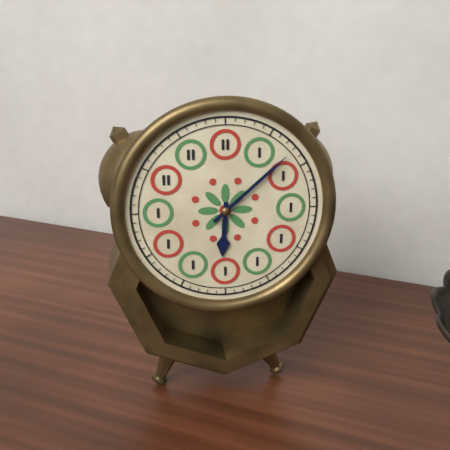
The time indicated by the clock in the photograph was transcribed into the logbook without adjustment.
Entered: 6:08
